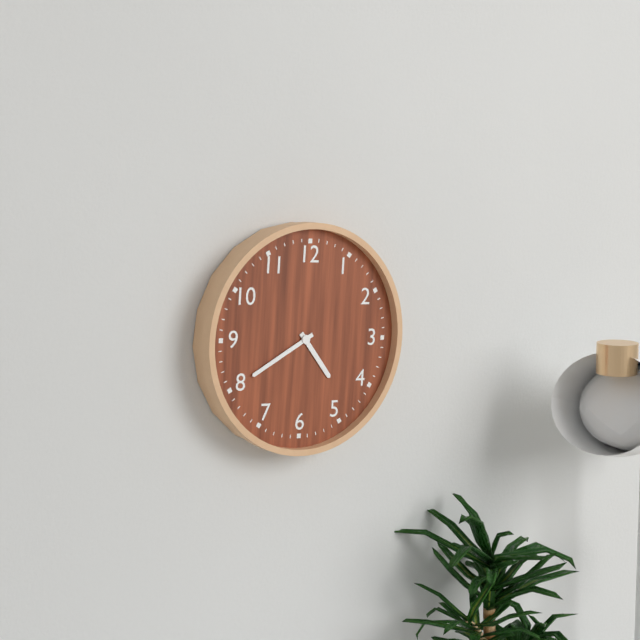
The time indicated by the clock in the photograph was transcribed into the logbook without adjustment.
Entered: 4:40
